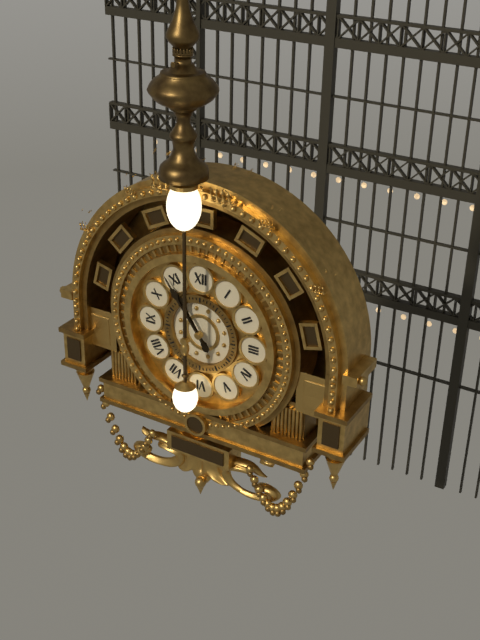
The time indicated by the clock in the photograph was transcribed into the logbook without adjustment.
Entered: 10:54
